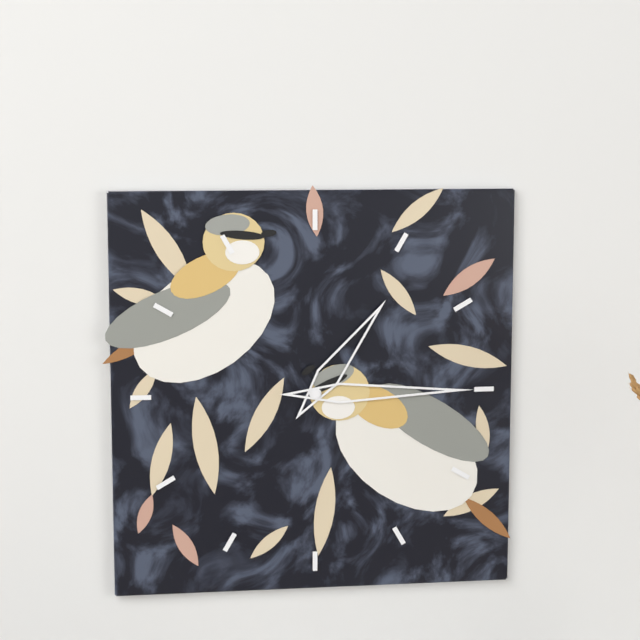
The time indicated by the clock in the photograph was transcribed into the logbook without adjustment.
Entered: 1:15
